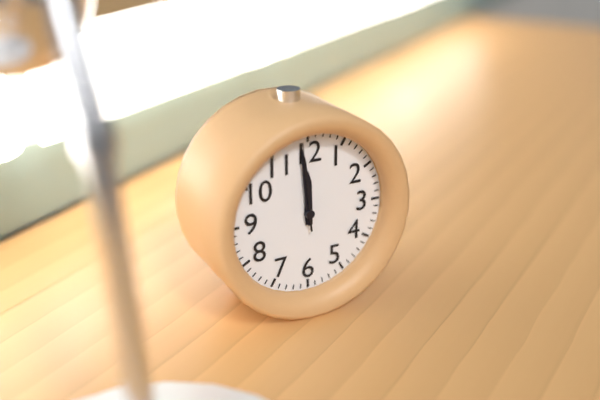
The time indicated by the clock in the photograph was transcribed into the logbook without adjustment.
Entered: 11:59:59
